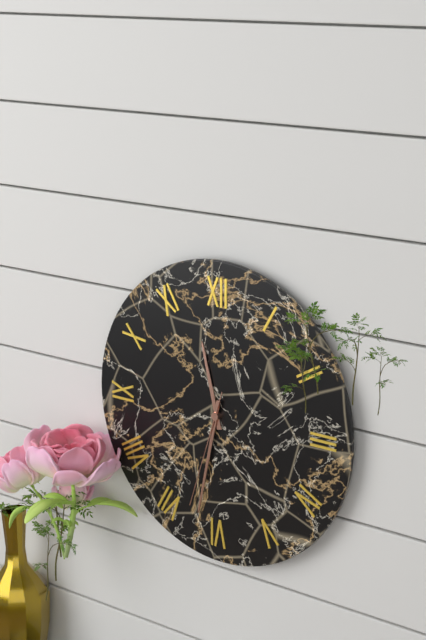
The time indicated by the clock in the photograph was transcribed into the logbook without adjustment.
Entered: 11:32:33
